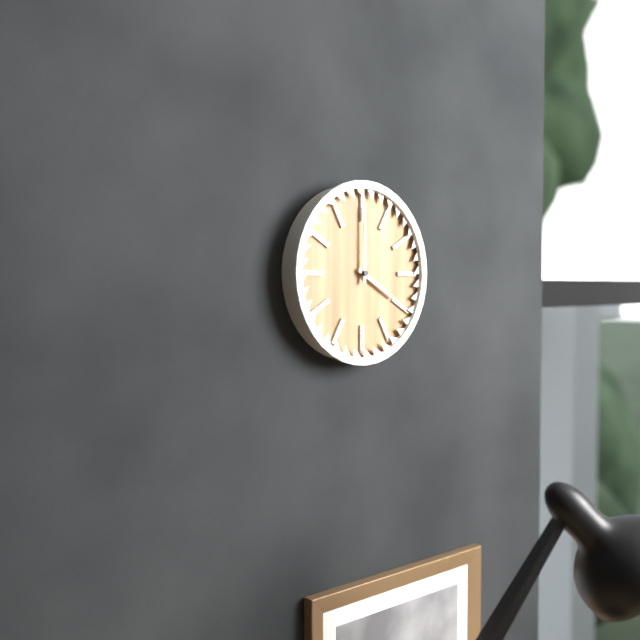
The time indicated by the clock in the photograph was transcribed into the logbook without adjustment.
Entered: 4:00
